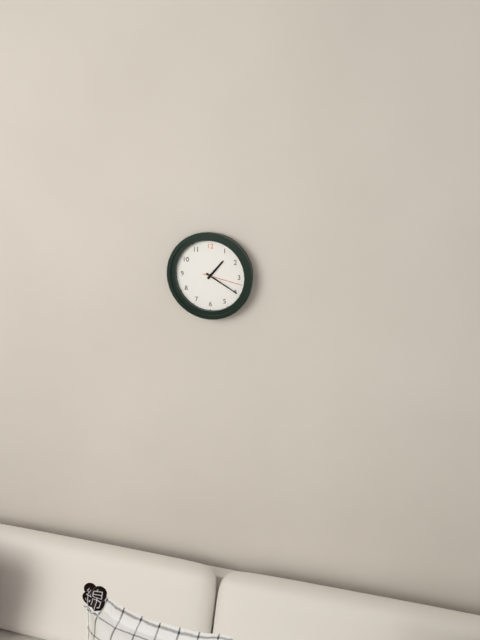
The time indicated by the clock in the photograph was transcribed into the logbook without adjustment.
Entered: 1:20
